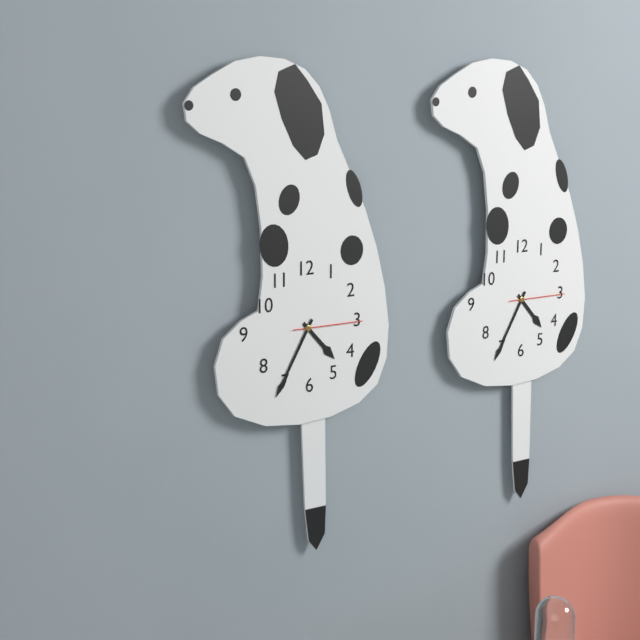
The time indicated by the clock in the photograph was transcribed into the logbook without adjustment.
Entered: 4:35:15
